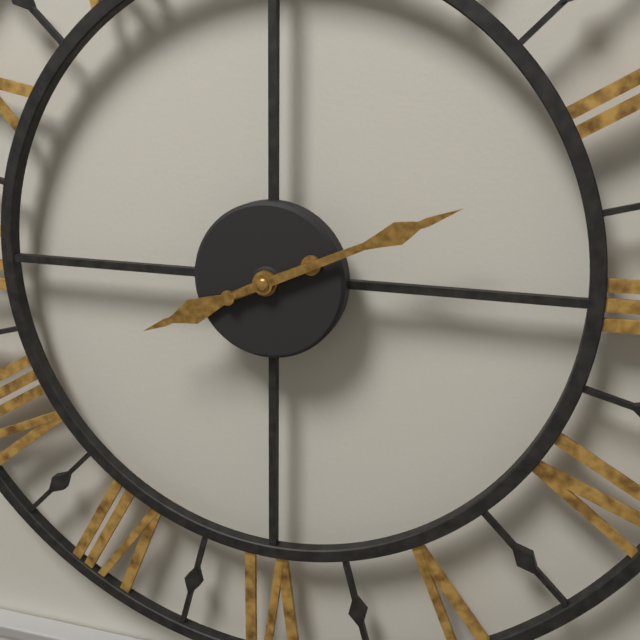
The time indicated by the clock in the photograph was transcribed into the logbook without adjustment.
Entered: 8:11
